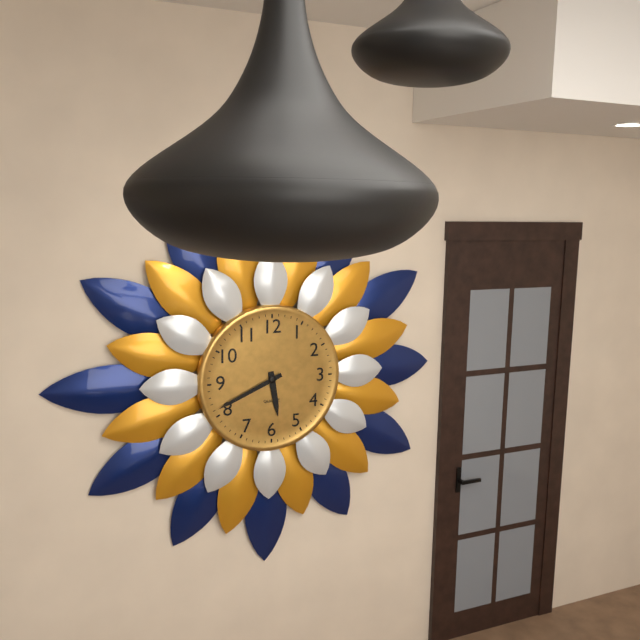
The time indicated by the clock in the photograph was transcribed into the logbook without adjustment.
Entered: 5:41
